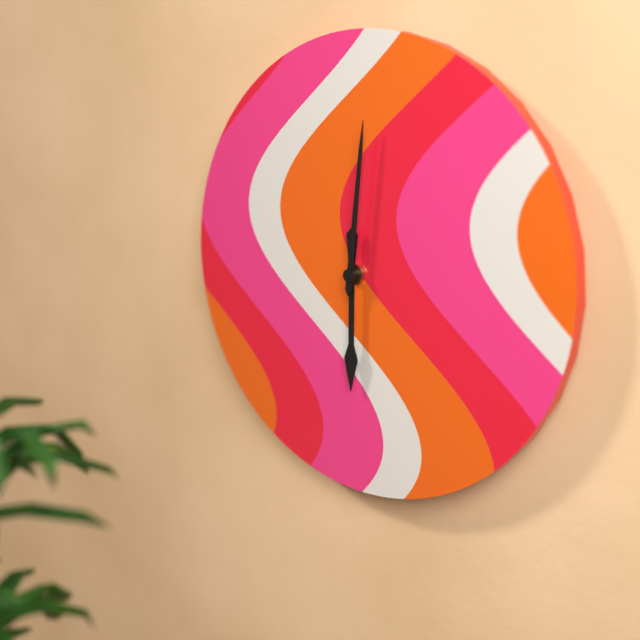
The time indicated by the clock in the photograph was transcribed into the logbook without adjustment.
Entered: 6:01
